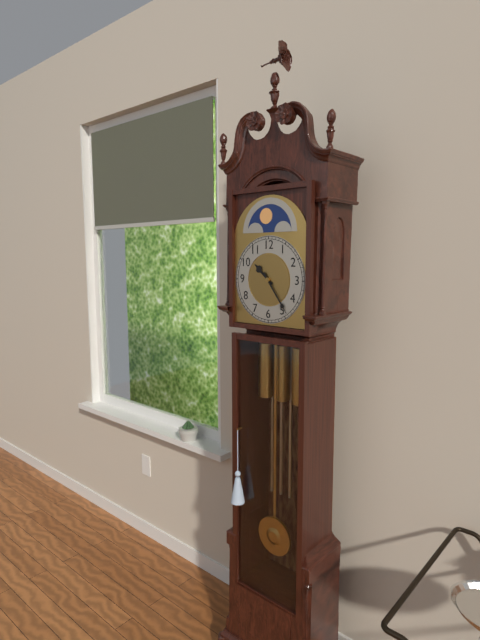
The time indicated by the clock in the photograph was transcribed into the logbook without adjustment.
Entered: 10:24
